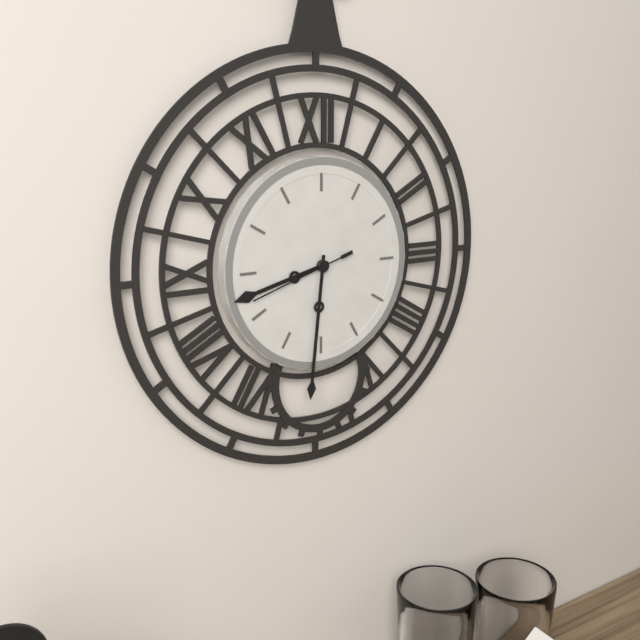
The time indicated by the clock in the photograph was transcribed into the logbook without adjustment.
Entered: 8:31:42
